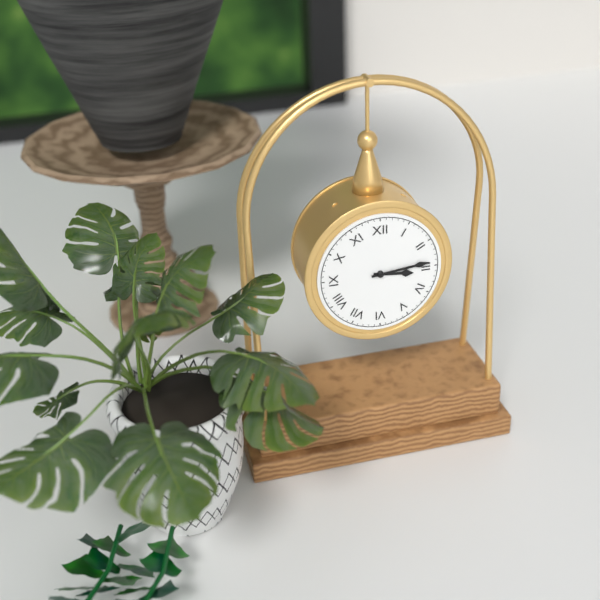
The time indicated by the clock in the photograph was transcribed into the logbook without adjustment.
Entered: 3:14
